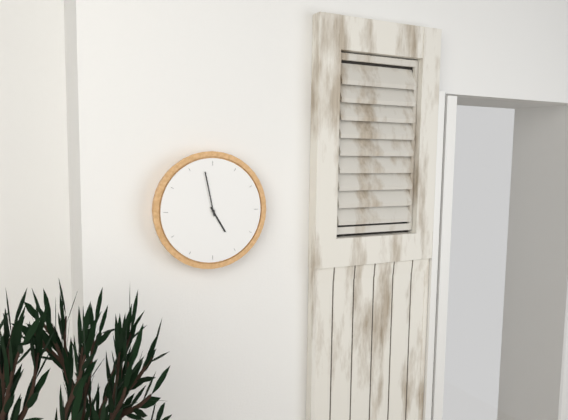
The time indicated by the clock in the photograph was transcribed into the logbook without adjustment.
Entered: 4:58
